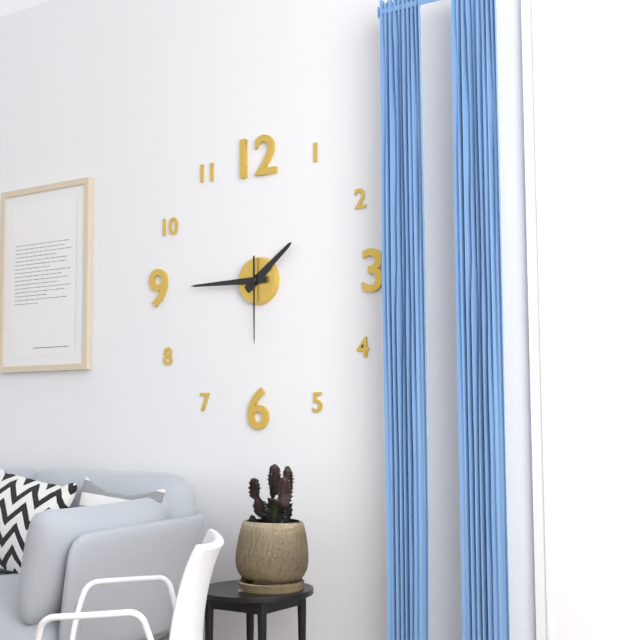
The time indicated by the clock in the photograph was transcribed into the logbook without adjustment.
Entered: 1:45:30
